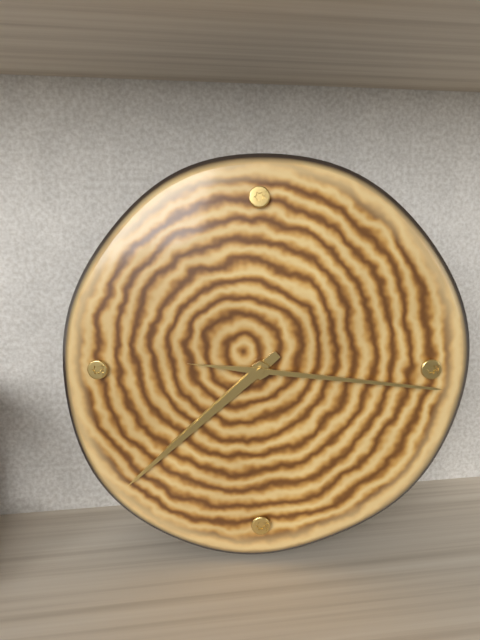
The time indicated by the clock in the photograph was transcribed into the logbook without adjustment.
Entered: 7:38:16
